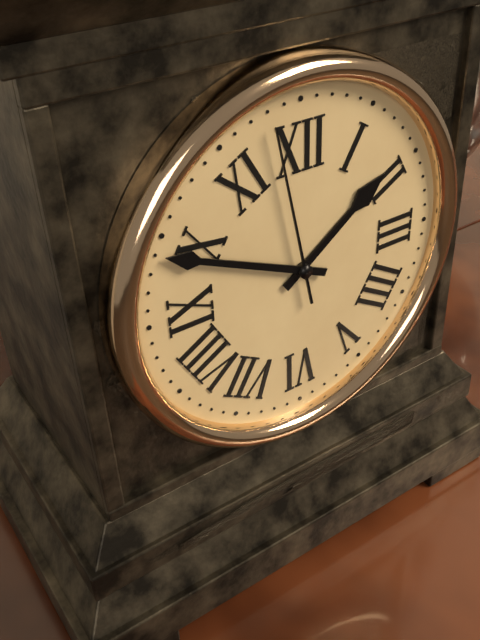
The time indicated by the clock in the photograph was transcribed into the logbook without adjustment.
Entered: 1:49:58
